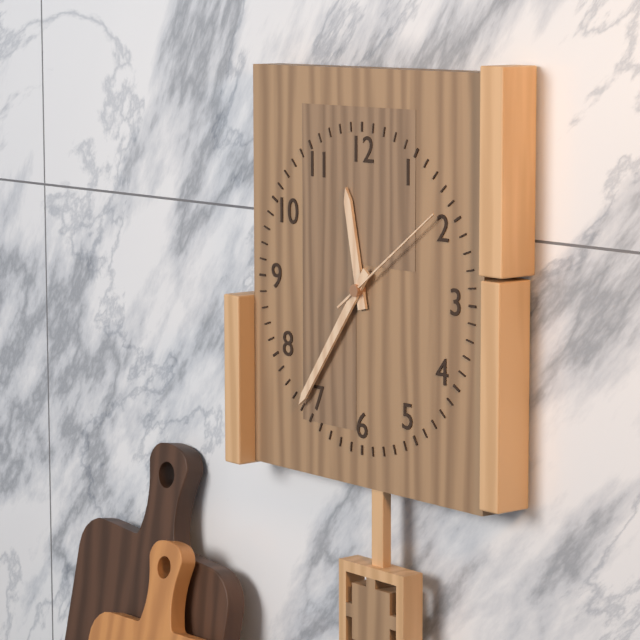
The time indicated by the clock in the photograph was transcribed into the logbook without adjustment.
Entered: 11:36:09
